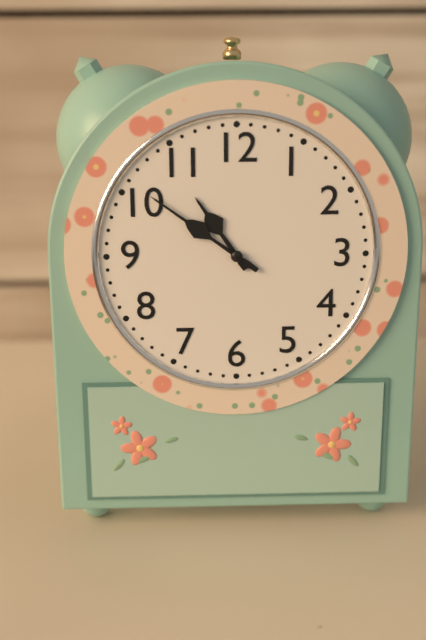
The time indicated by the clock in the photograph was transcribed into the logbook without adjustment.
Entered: 10:51
